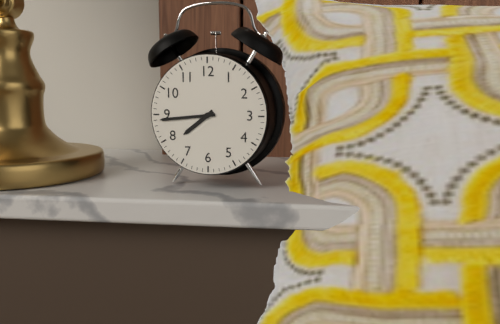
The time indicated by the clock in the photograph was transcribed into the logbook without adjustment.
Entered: 7:44
